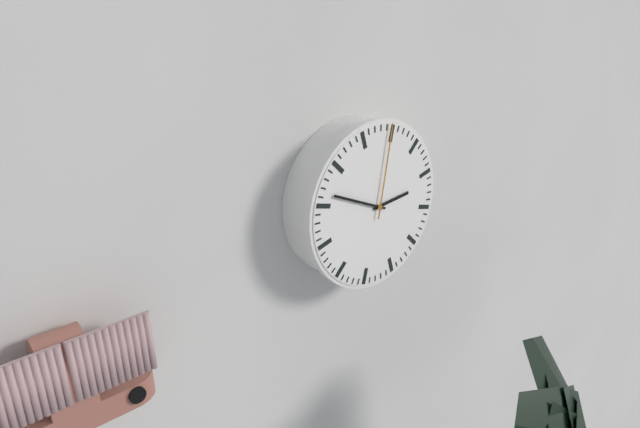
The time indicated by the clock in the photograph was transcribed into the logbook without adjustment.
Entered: 2:49:02
